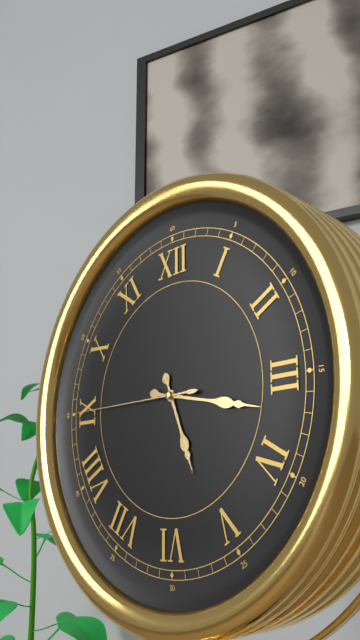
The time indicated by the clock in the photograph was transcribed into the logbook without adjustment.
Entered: 5:17:45
